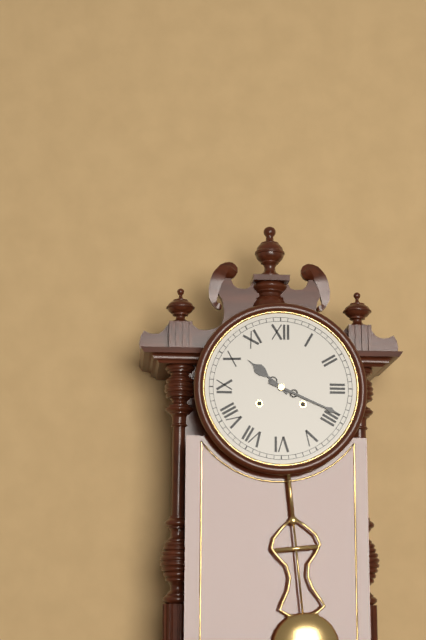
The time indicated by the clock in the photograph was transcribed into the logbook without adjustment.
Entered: 10:19
